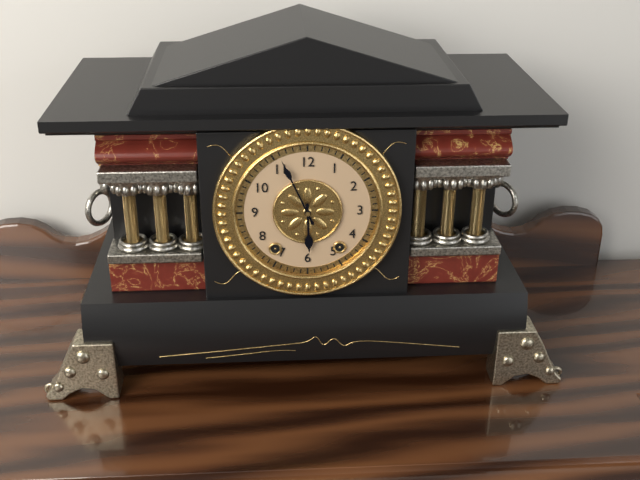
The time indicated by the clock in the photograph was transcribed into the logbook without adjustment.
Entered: 5:56
